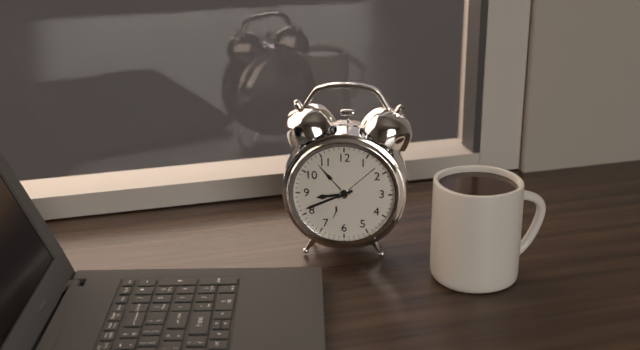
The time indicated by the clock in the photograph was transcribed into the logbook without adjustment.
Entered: 8:41
